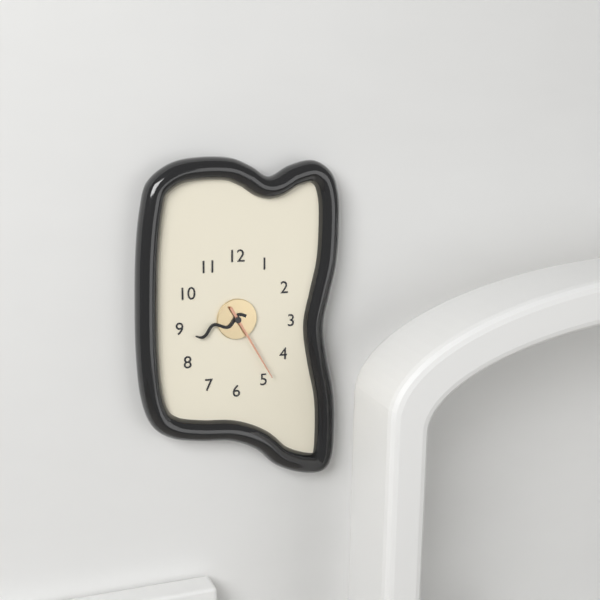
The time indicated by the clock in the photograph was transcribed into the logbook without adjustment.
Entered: 8:25
